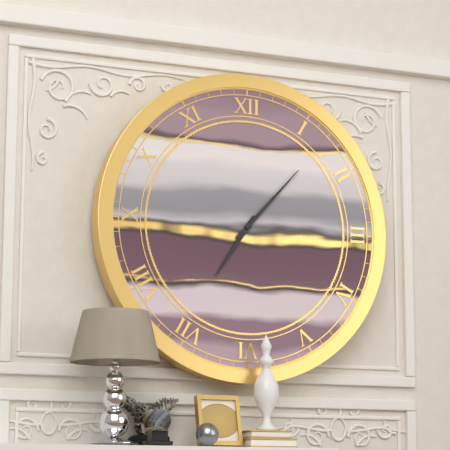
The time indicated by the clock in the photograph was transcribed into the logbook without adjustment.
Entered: 7:07
